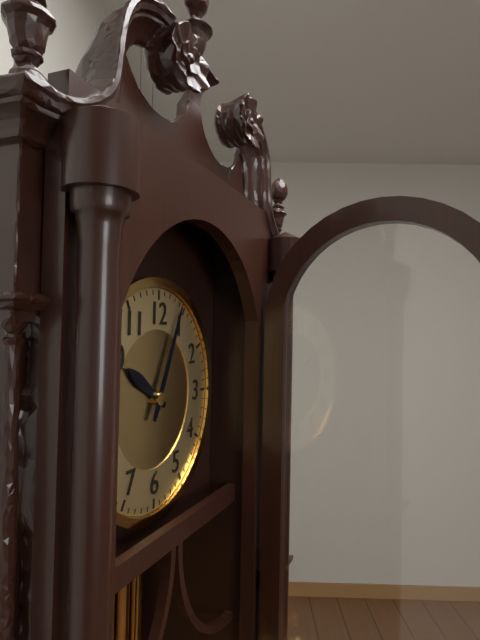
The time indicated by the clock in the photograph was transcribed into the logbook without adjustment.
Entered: 10:04
